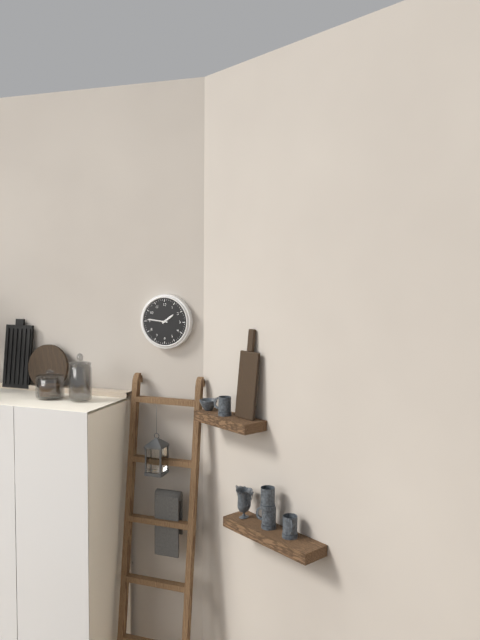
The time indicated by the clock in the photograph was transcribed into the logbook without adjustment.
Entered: 1:46
